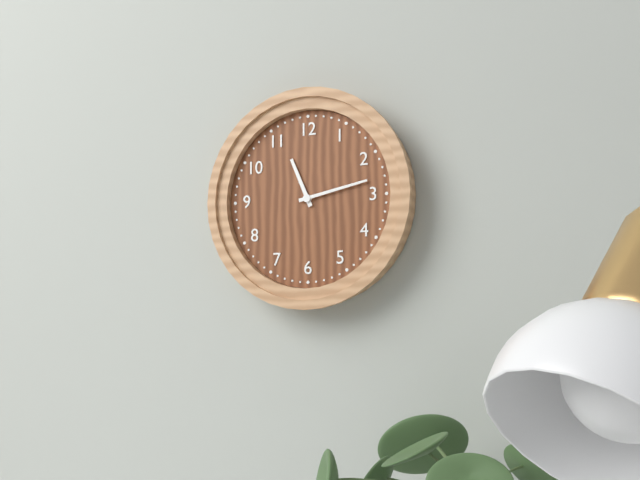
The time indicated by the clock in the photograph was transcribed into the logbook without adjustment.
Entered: 11:13
